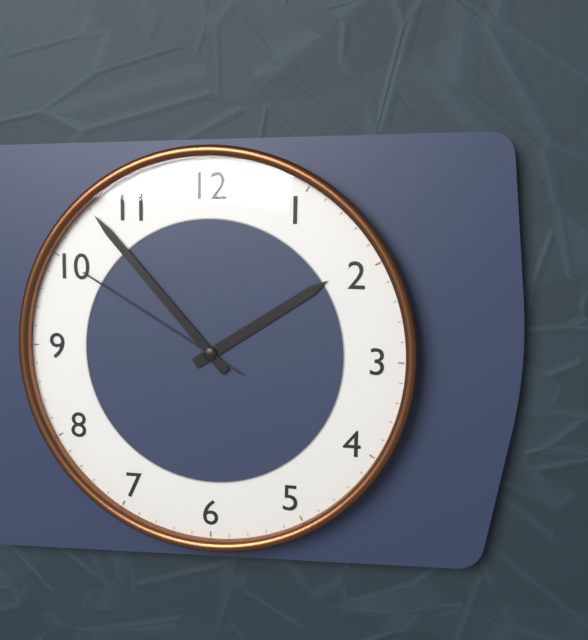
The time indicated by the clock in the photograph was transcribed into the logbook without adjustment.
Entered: 1:53:50
